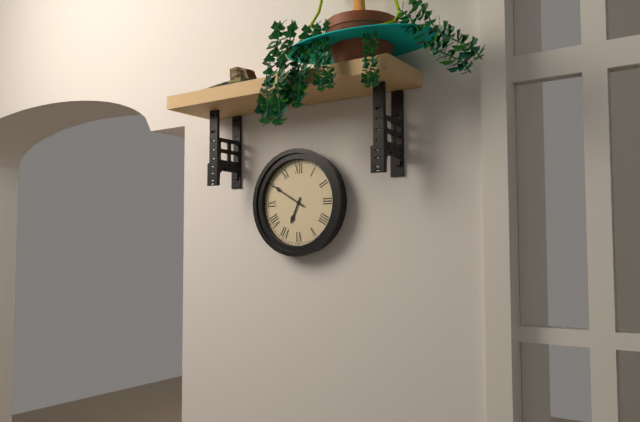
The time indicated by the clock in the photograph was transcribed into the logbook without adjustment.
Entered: 6:50
